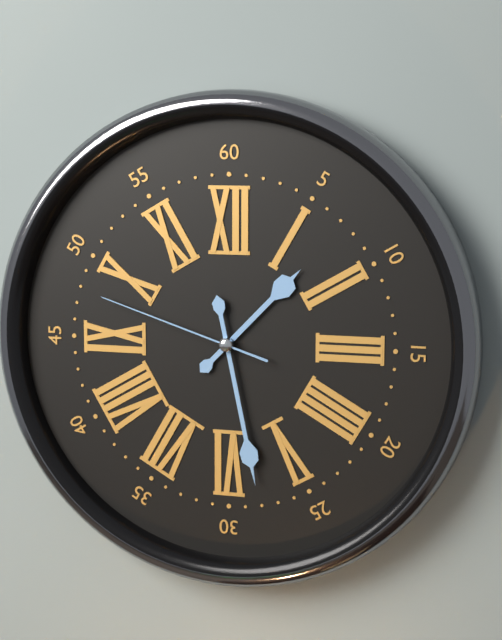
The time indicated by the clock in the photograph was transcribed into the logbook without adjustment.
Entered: 1:28:48
